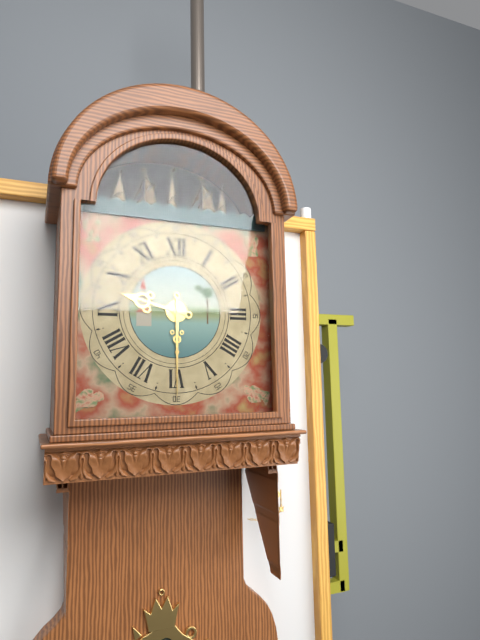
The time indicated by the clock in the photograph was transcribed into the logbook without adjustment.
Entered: 9:30
